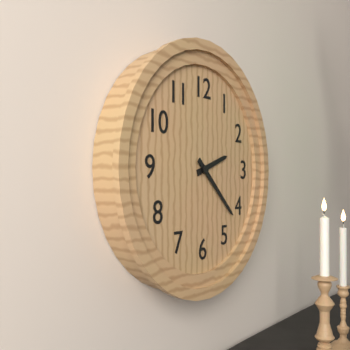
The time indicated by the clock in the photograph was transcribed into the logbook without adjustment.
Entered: 2:22
